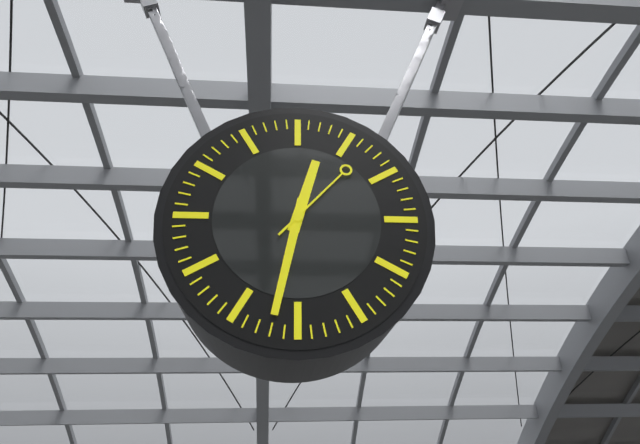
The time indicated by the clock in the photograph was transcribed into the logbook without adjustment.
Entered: 12:32:07
